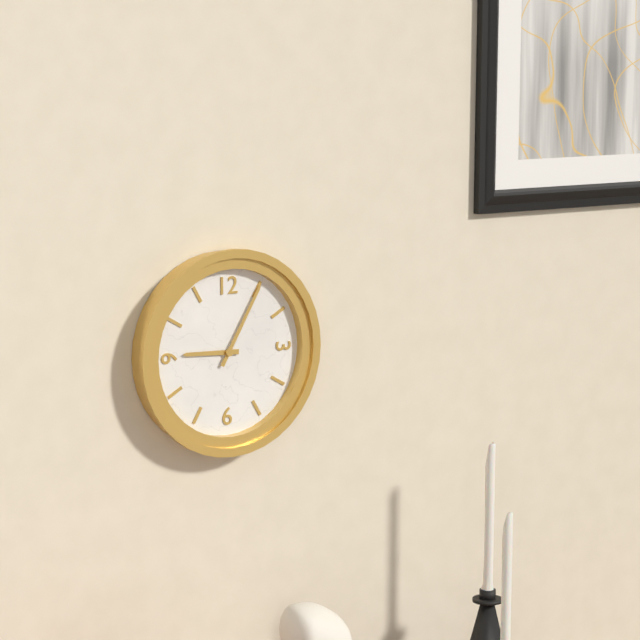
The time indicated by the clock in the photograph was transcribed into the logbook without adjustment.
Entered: 9:05
